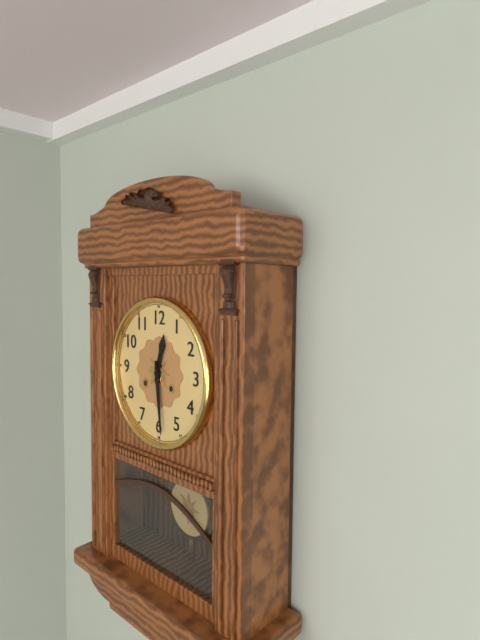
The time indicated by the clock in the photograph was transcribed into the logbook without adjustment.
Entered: 12:29
